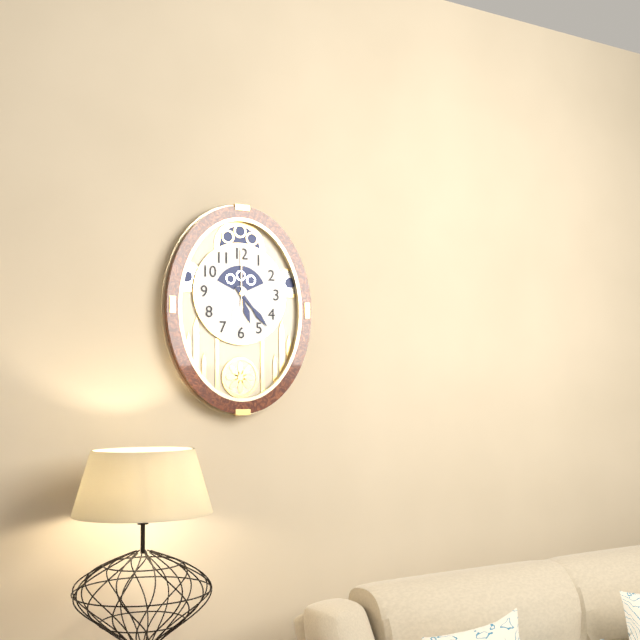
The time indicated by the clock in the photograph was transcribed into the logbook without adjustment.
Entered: 5:23:00
